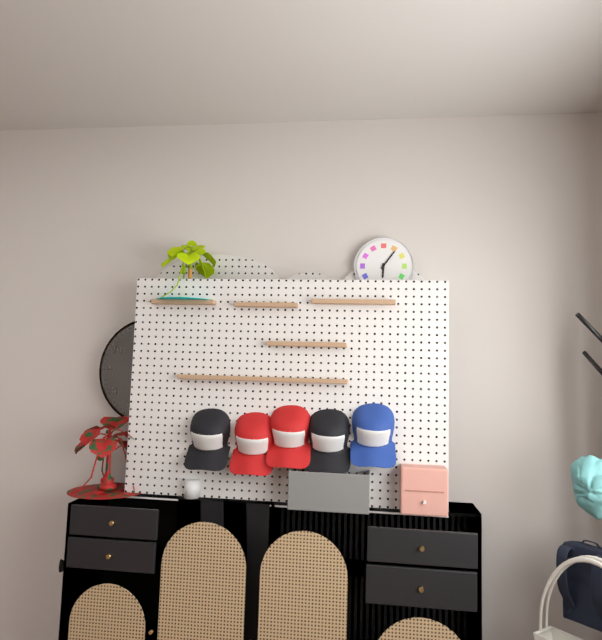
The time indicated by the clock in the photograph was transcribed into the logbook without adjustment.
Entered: 6:06
